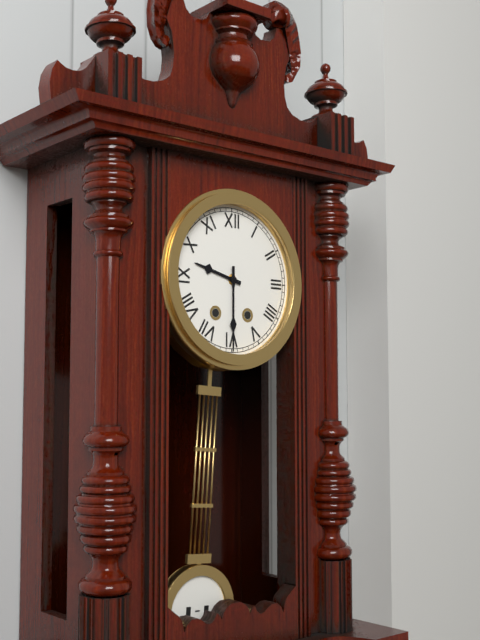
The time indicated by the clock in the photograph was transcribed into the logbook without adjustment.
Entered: 9:30
